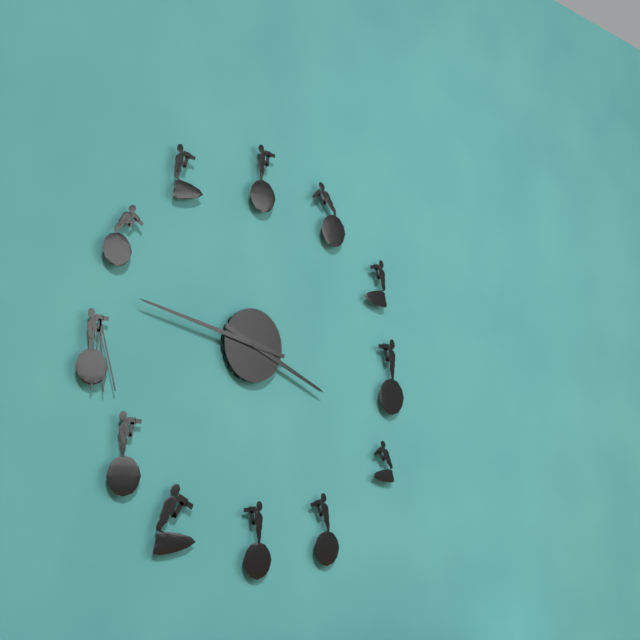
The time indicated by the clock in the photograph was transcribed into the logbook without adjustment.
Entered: 3:47
